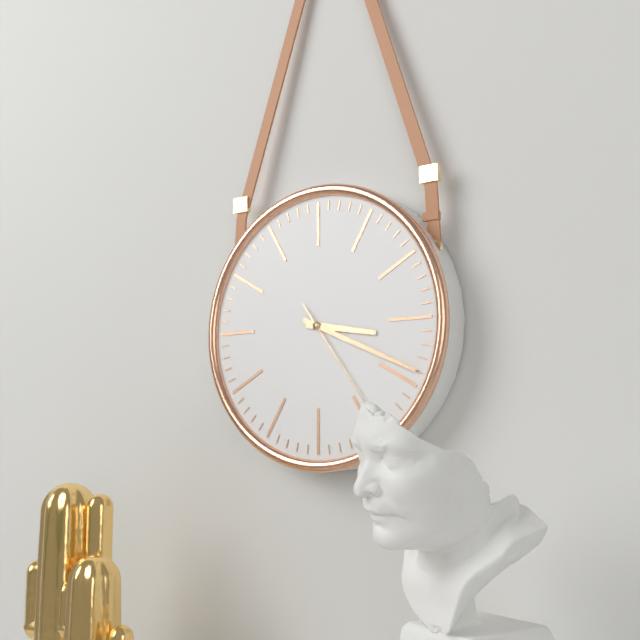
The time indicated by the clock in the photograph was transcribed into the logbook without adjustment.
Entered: 3:19:24
